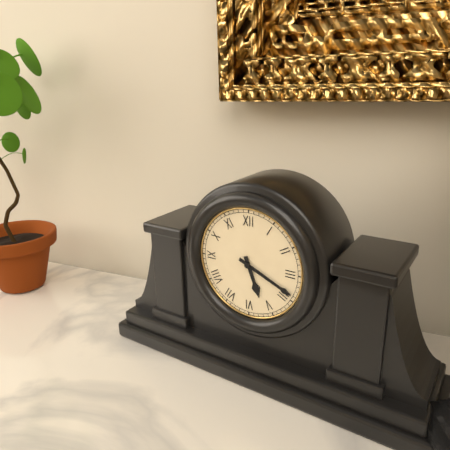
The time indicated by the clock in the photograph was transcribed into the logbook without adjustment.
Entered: 5:19
